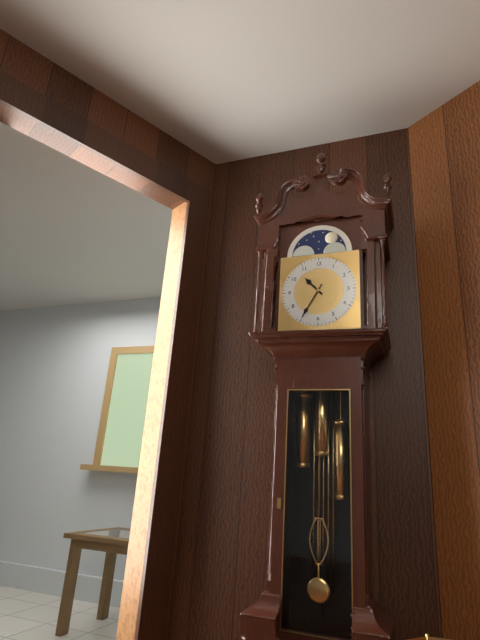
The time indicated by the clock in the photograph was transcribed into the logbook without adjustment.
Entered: 10:35
